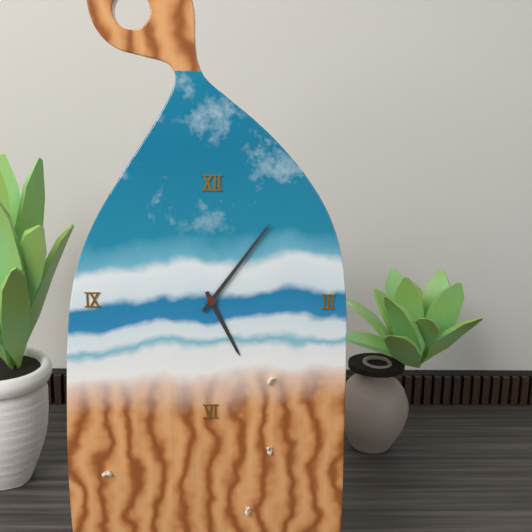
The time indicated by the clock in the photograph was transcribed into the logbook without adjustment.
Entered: 5:06
